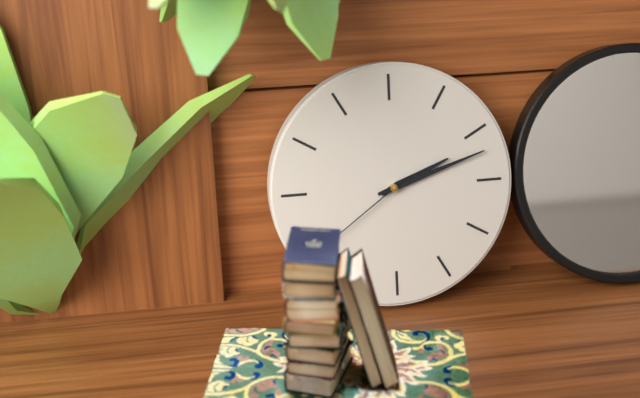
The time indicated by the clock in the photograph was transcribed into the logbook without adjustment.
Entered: 2:12:39
